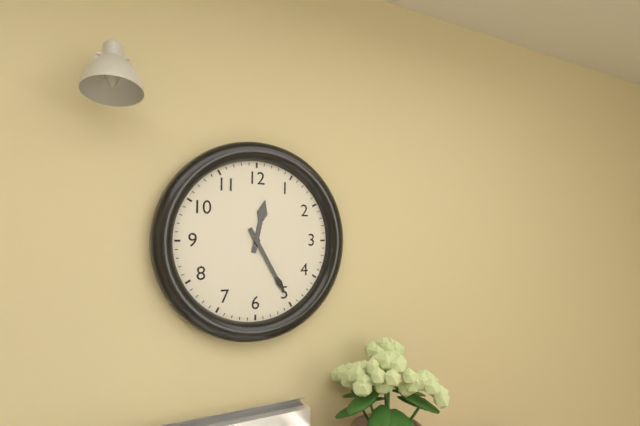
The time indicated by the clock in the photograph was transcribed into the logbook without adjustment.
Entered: 12:25
